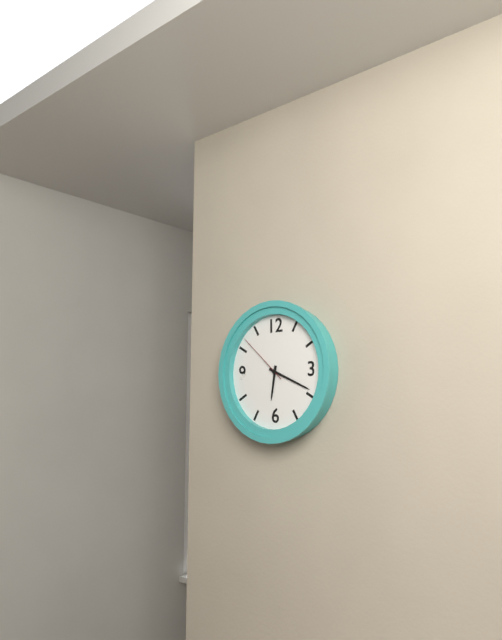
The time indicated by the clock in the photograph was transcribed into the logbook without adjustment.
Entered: 6:19:52
